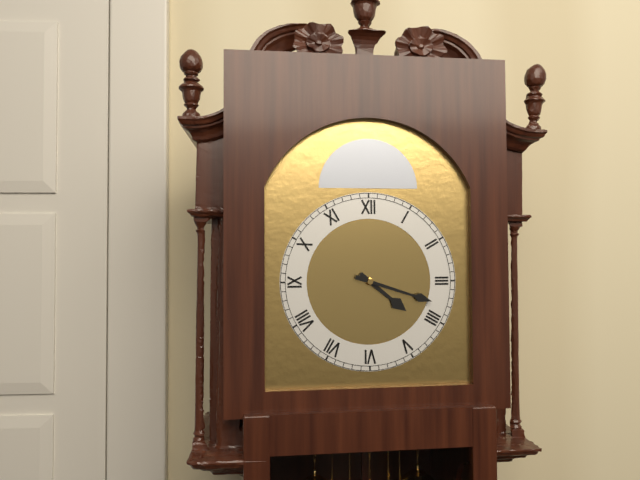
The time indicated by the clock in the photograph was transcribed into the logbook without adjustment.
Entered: 4:18
